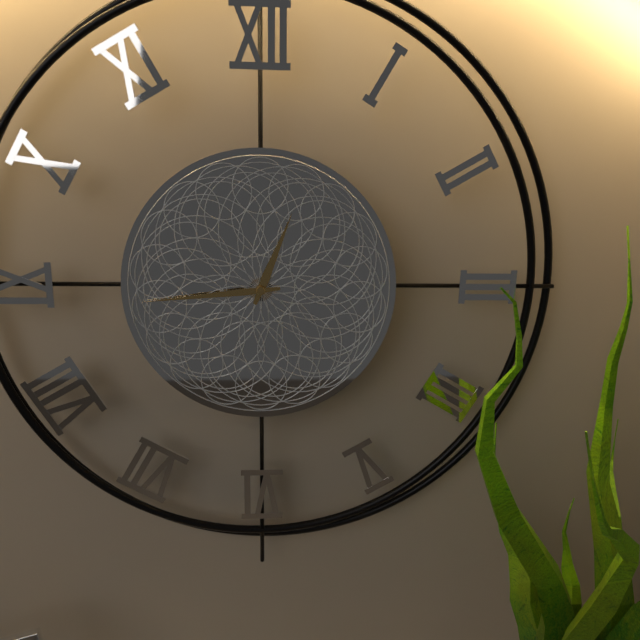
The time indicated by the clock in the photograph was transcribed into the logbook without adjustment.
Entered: 12:44
